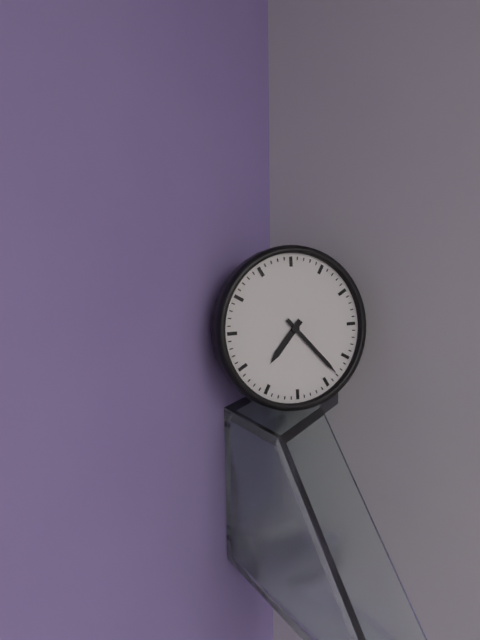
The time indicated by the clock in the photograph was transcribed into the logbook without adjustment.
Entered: 7:23
